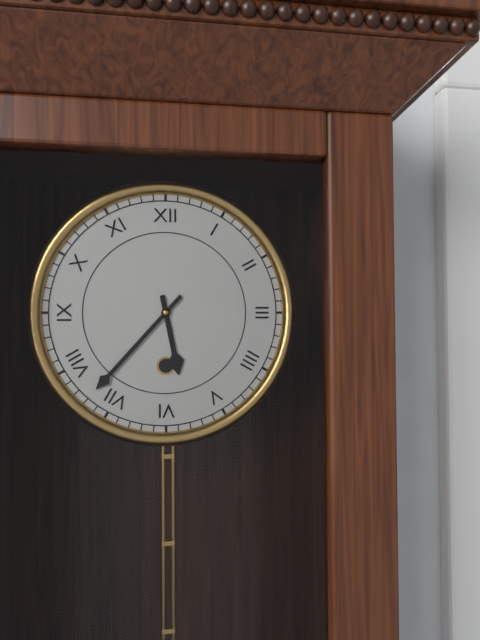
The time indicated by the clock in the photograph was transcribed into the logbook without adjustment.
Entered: 5:37
